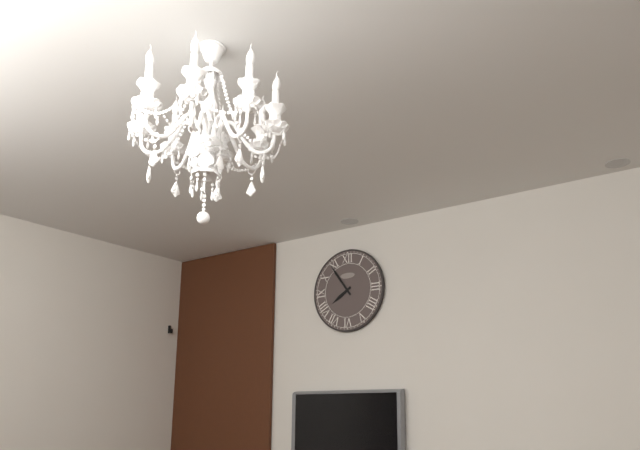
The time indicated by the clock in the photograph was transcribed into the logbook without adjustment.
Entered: 7:54
